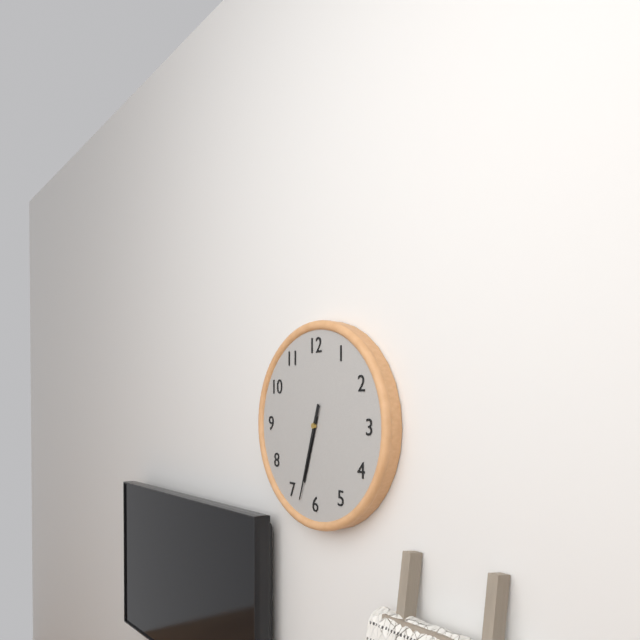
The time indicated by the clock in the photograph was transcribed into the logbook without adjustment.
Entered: 6:33
